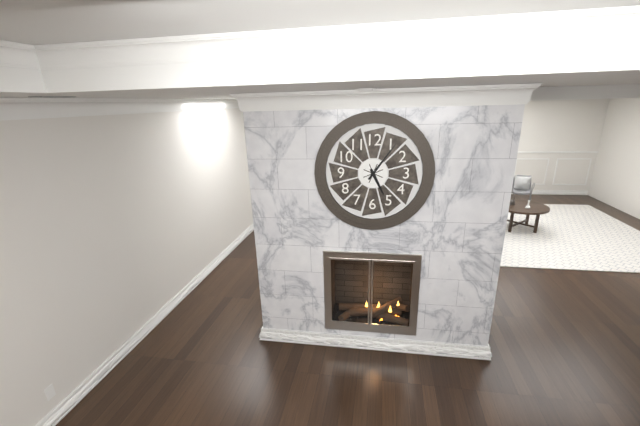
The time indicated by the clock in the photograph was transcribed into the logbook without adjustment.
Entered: 5:06
